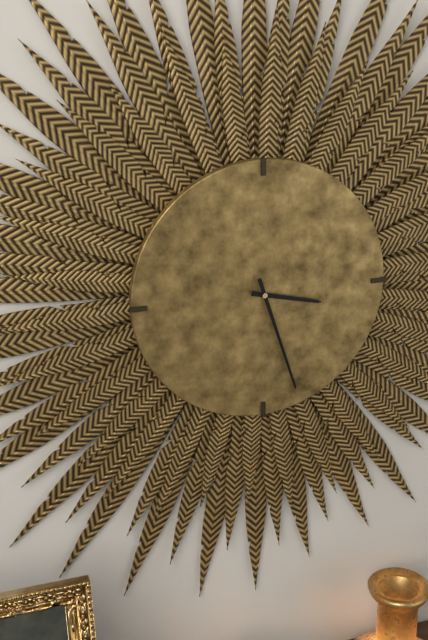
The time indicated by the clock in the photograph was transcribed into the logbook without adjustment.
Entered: 3:27
